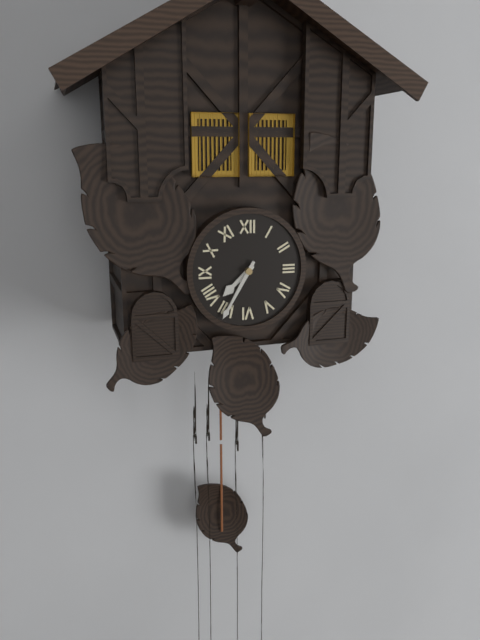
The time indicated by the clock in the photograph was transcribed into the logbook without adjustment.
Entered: 7:35
